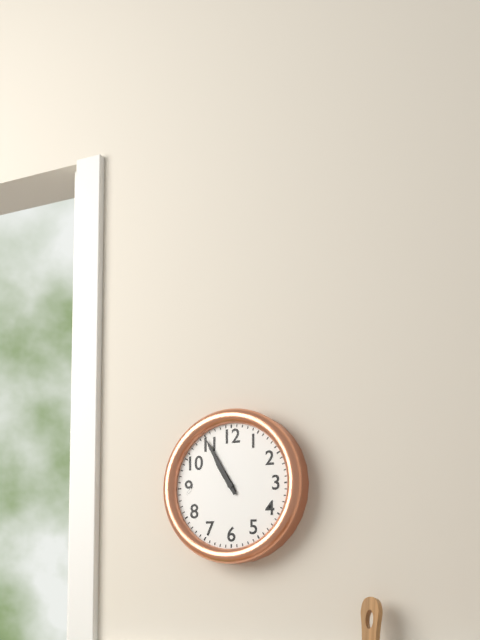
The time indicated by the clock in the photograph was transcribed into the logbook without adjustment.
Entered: 10:55
